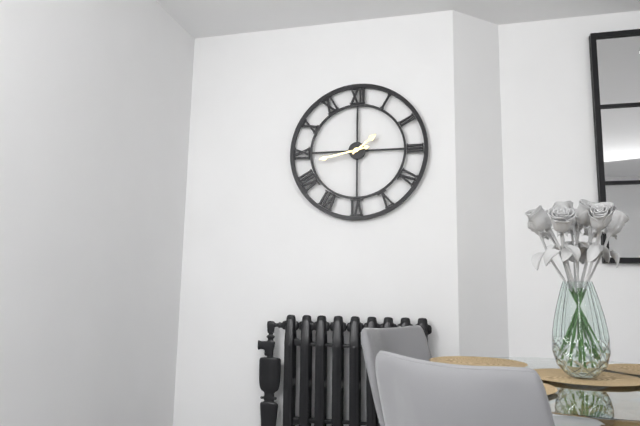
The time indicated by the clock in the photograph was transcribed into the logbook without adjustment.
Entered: 1:43
